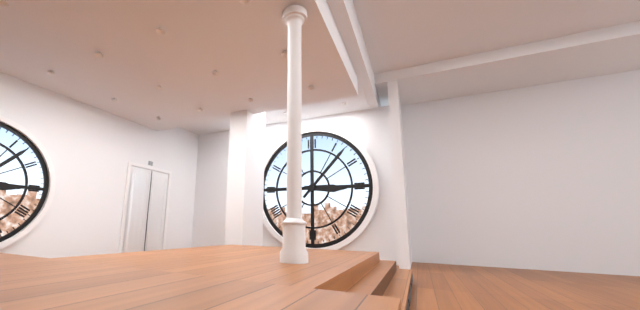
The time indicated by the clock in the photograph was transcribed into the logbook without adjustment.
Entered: 3:07
